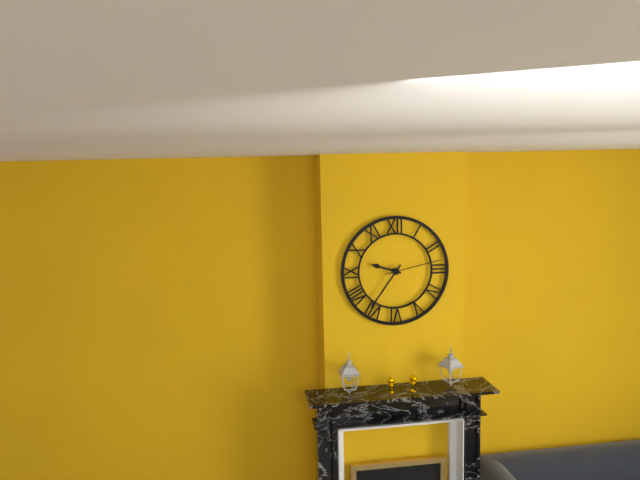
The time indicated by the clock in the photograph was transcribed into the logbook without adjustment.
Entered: 9:36:13
